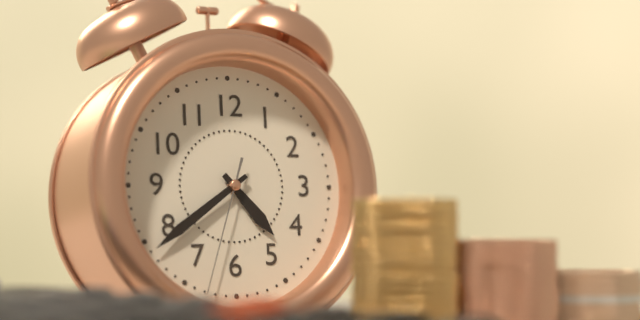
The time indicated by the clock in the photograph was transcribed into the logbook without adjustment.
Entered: 4:39:33
